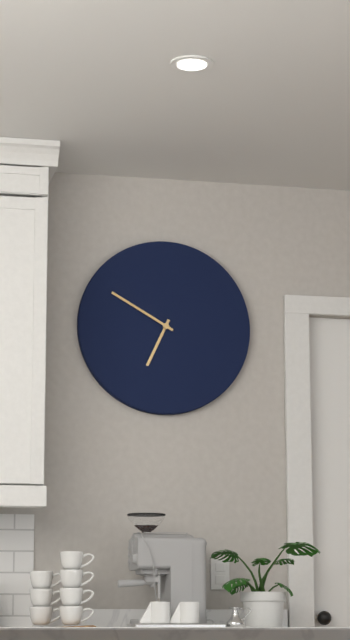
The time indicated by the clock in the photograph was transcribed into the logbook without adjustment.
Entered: 6:50
